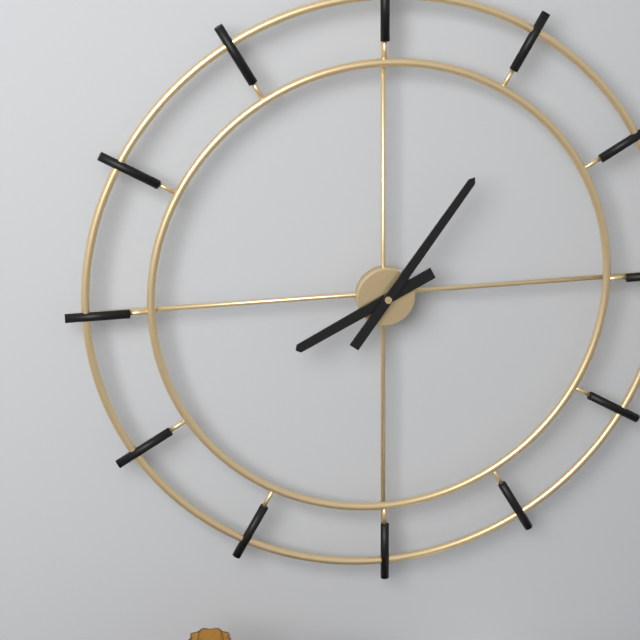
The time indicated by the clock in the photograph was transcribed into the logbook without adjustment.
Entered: 8:06
